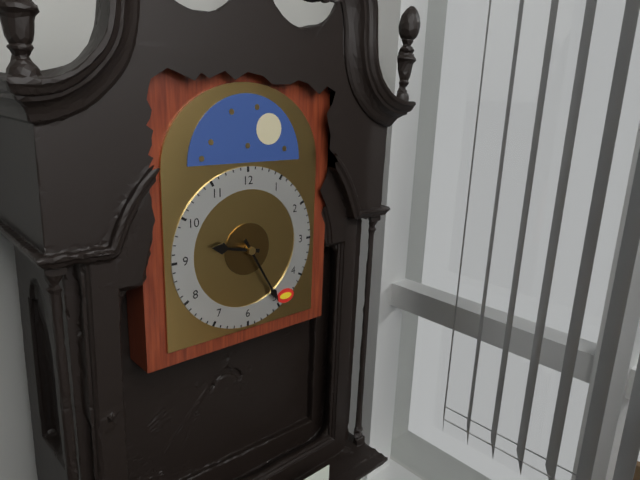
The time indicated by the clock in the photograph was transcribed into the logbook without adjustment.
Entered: 9:25
